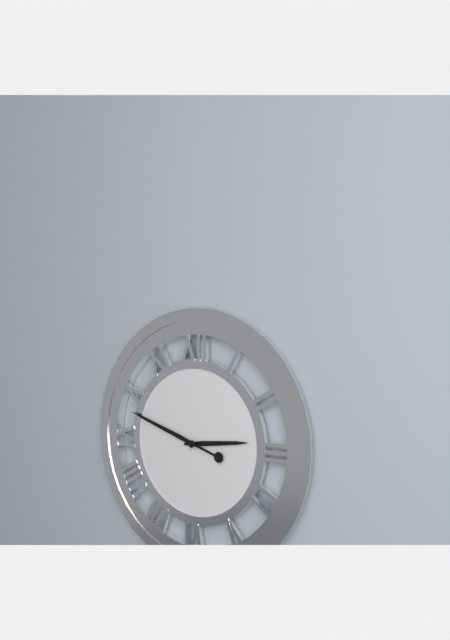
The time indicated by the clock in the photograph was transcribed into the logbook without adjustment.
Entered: 2:48
